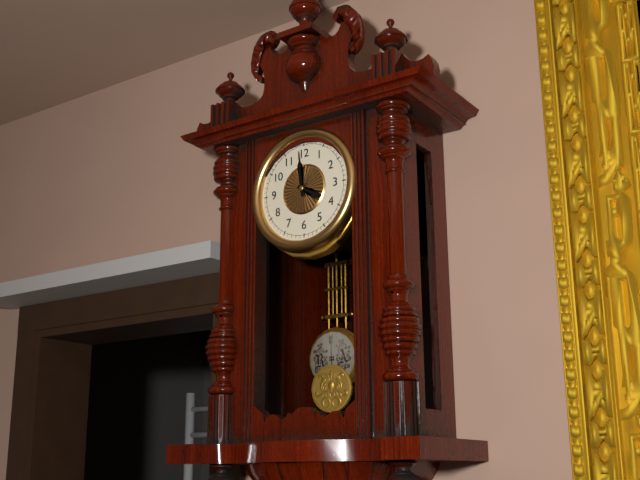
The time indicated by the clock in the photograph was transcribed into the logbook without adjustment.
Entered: 3:59
